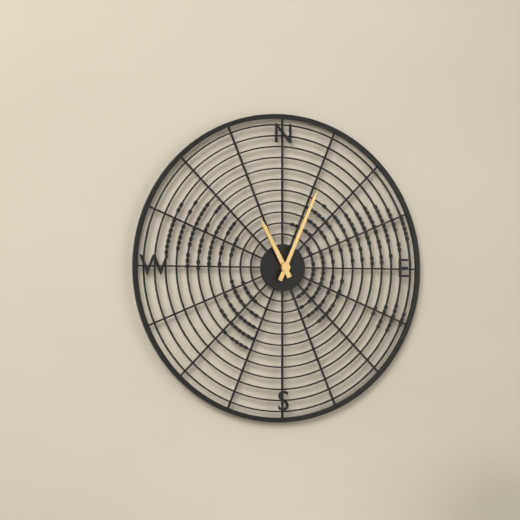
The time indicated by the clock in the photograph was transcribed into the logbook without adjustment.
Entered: 11:04
